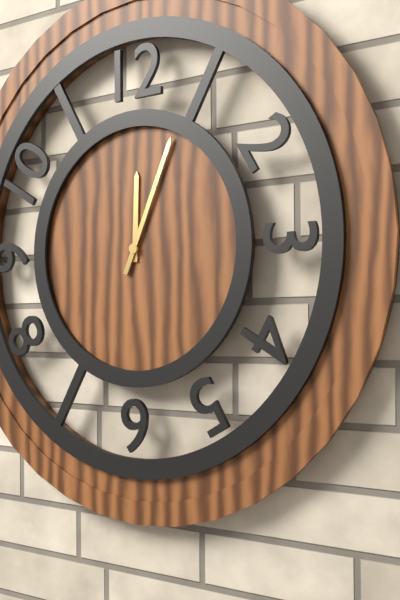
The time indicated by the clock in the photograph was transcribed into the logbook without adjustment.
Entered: 12:04
